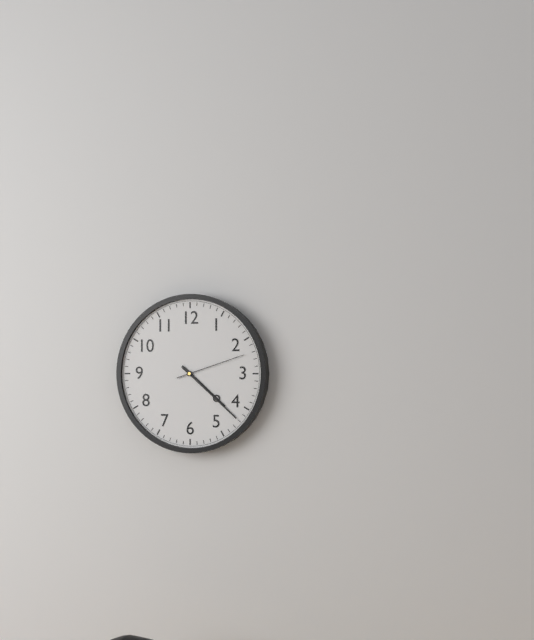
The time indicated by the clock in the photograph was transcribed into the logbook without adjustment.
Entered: 4:22:12
